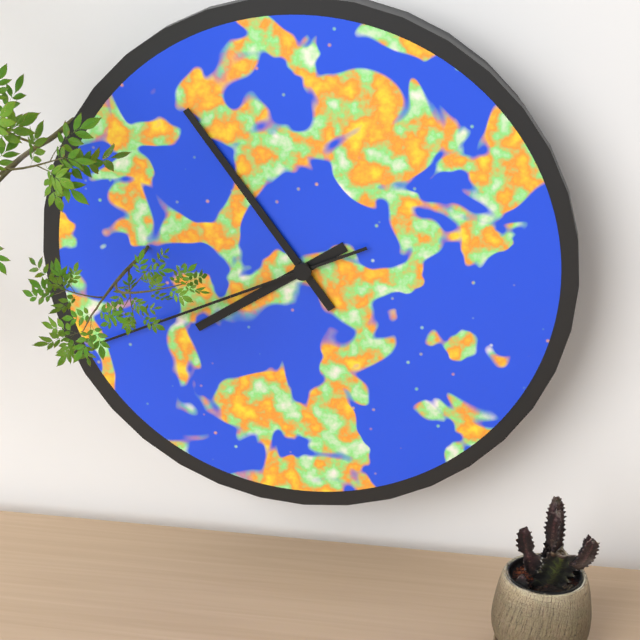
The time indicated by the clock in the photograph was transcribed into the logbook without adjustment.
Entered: 7:54:41
